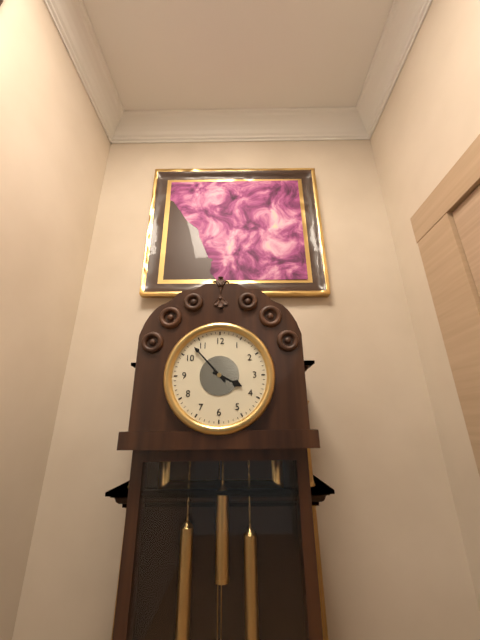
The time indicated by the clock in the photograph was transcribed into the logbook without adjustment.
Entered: 3:53
